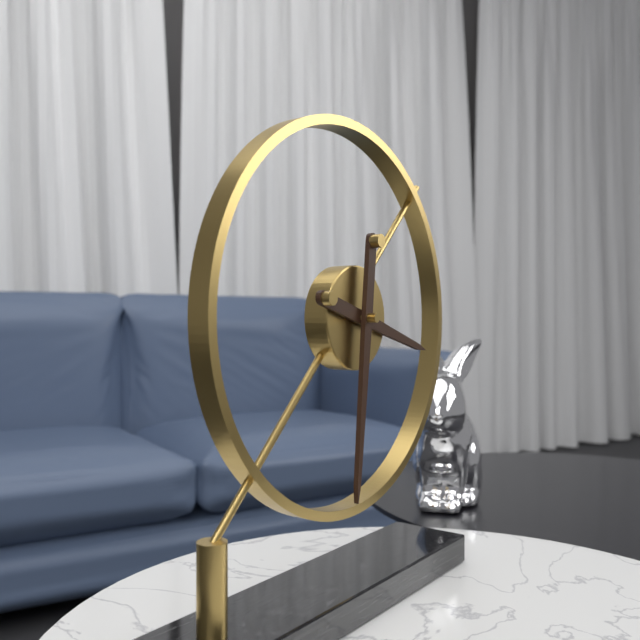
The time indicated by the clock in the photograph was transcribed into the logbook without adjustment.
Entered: 3:31
